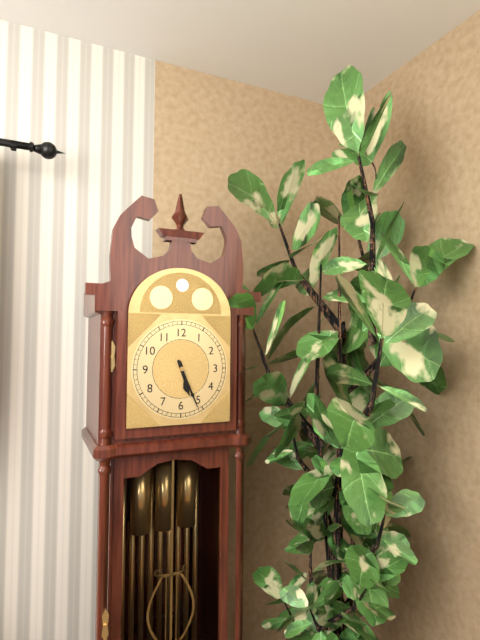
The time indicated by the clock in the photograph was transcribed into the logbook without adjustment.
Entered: 5:26
